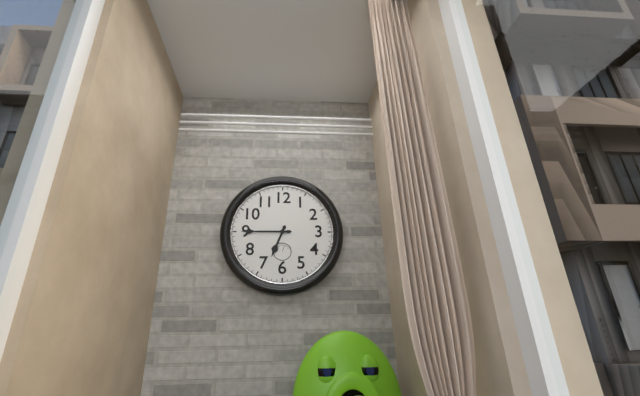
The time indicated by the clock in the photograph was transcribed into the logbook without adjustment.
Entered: 6:45
